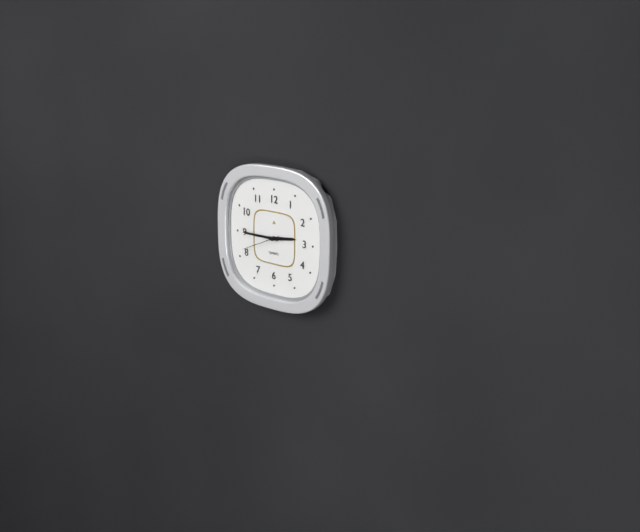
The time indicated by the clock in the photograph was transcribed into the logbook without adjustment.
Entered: 2:45
